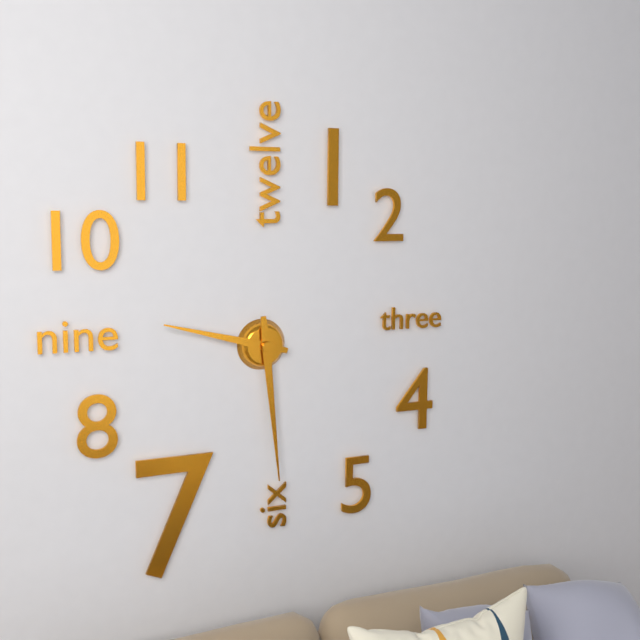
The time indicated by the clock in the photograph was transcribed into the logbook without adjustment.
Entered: 9:29
